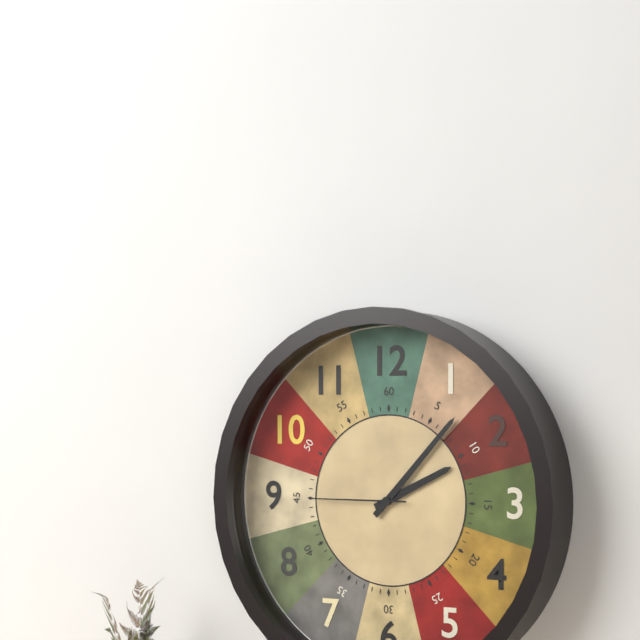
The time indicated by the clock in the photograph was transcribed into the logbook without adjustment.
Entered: 2:07:45
